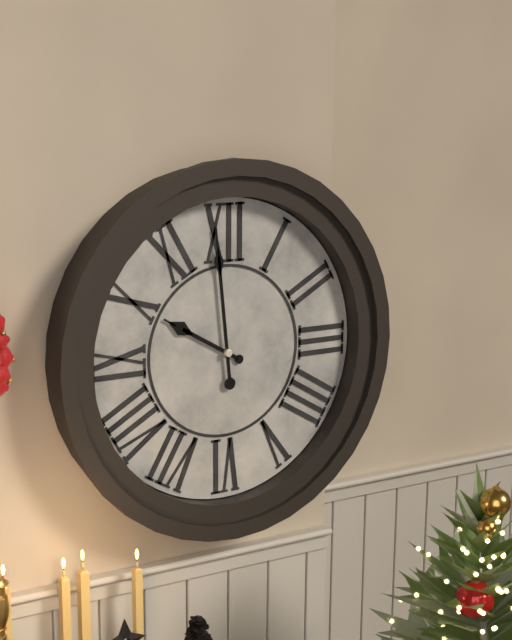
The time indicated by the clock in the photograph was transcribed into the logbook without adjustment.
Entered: 9:59
